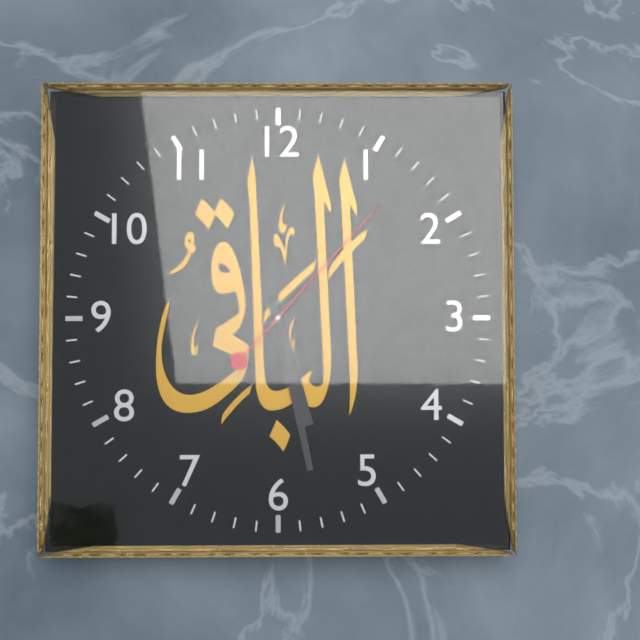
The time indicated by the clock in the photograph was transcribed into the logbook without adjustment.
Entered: 5:28:07
